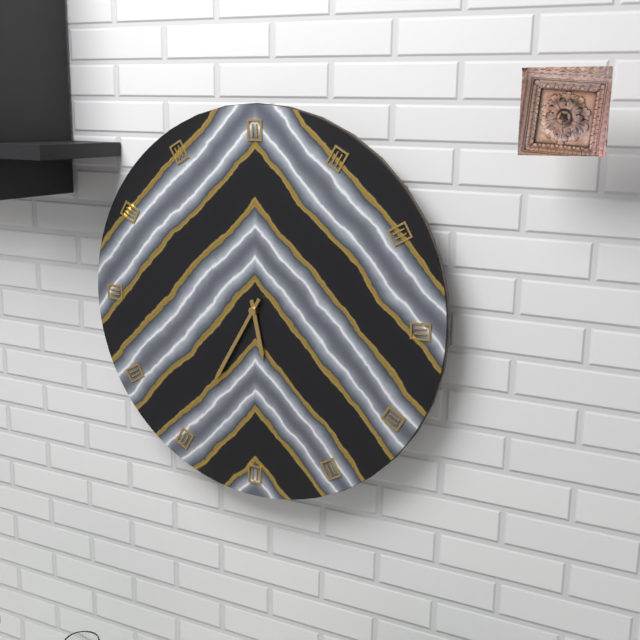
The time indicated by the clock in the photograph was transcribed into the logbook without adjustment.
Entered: 5:35
